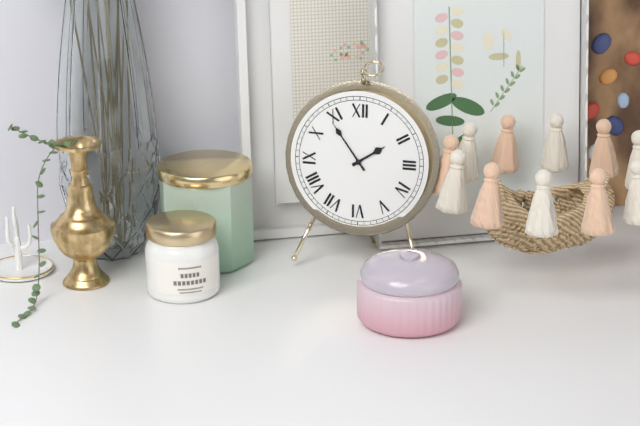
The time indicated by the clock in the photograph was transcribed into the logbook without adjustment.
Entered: 1:54
